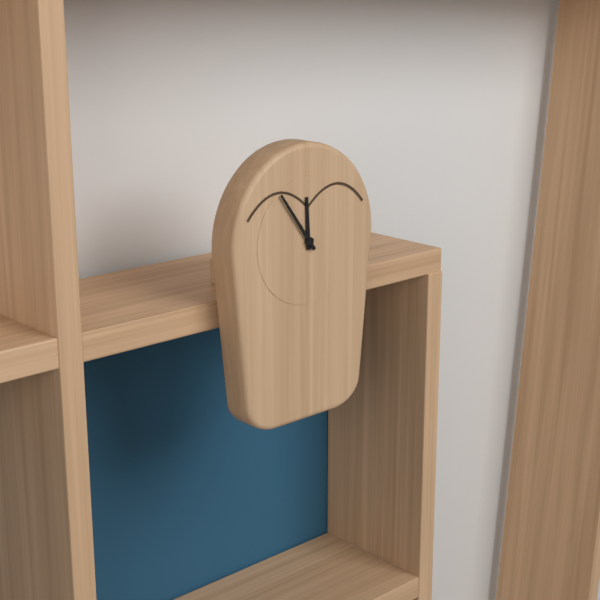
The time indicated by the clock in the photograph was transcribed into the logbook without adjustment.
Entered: 11:54
